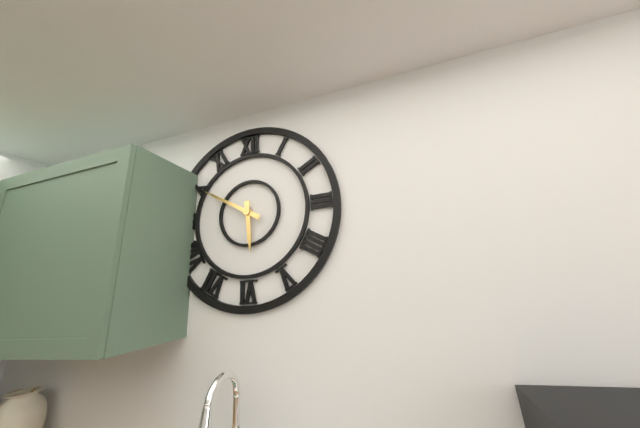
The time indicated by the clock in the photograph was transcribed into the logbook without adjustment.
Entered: 5:50
